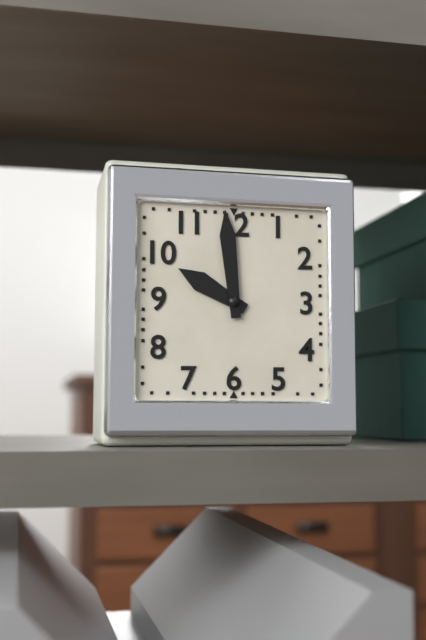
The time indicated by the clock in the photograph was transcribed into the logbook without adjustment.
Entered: 9:59
